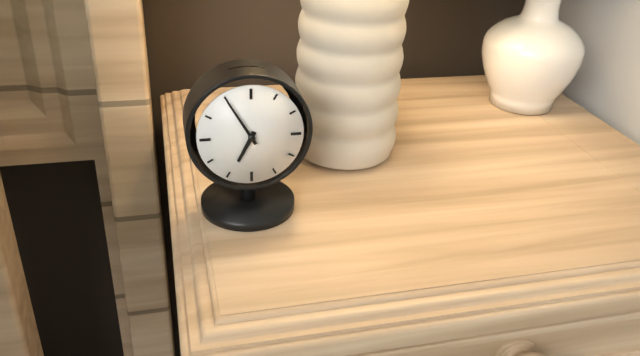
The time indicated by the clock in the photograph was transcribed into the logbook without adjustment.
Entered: 6:55
